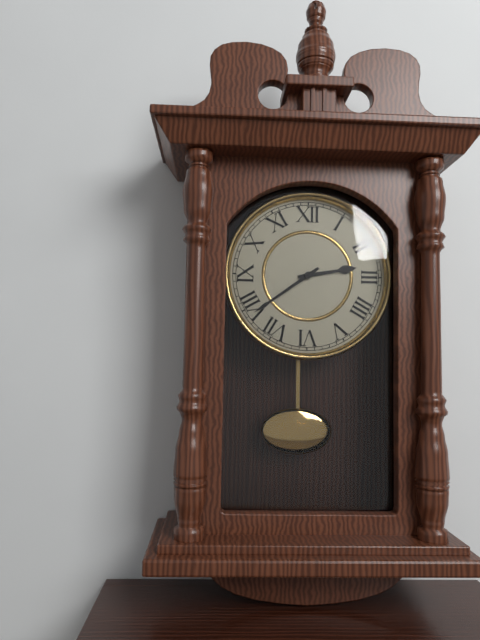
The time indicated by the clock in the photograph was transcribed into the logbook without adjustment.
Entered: 2:39
